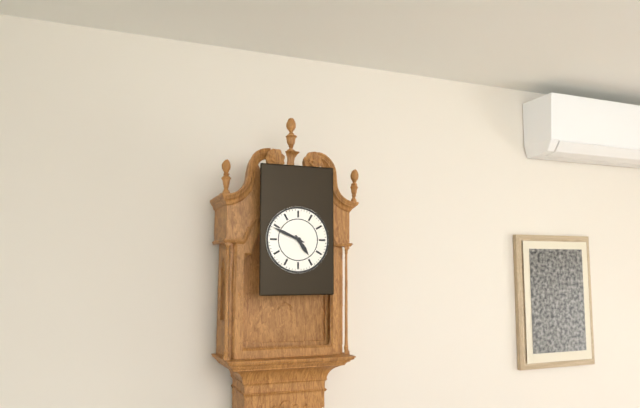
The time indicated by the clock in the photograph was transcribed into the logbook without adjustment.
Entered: 4:49
